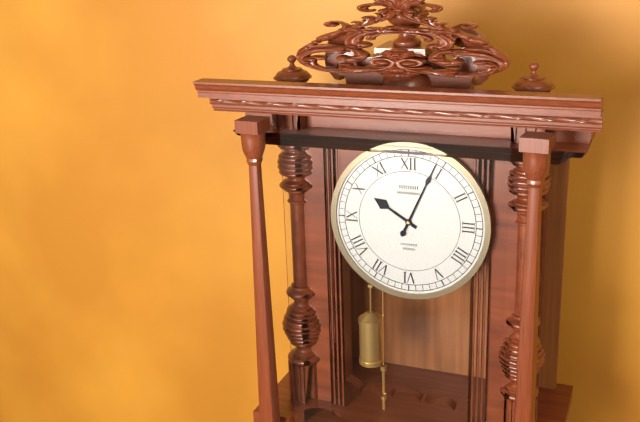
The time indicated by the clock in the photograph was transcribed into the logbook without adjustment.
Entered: 10:04
